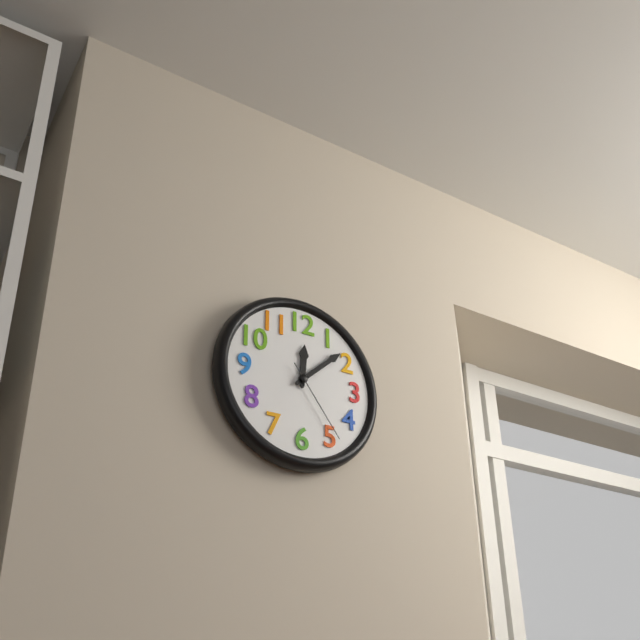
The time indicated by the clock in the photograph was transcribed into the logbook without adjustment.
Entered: 12:08:24
